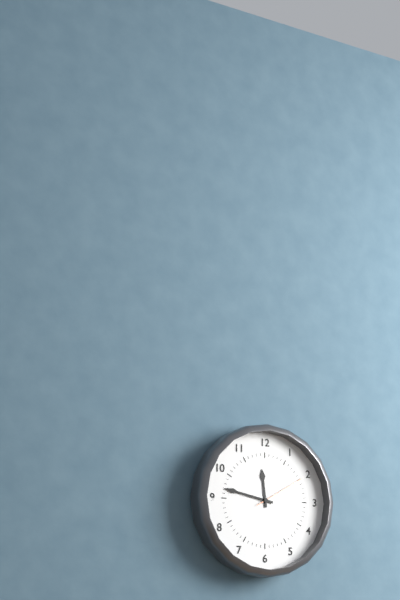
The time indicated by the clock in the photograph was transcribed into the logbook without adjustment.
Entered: 11:47:10
